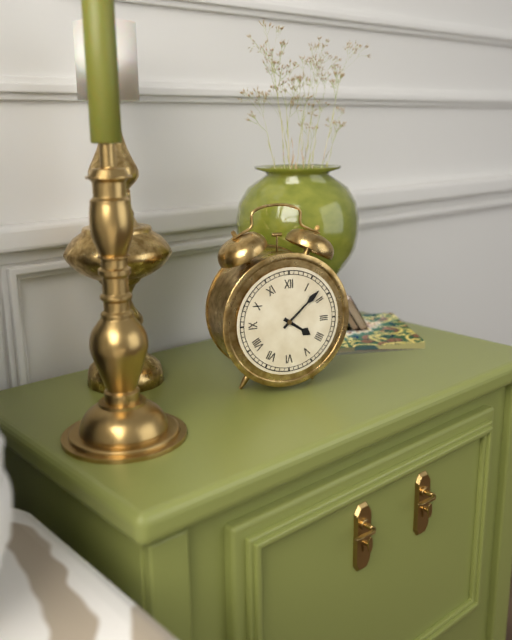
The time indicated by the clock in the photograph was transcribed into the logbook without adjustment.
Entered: 4:08
